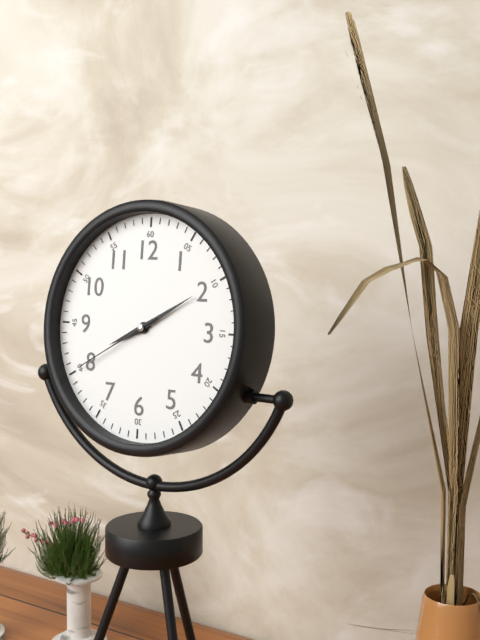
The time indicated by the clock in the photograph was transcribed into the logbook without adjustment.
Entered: 8:10:40
